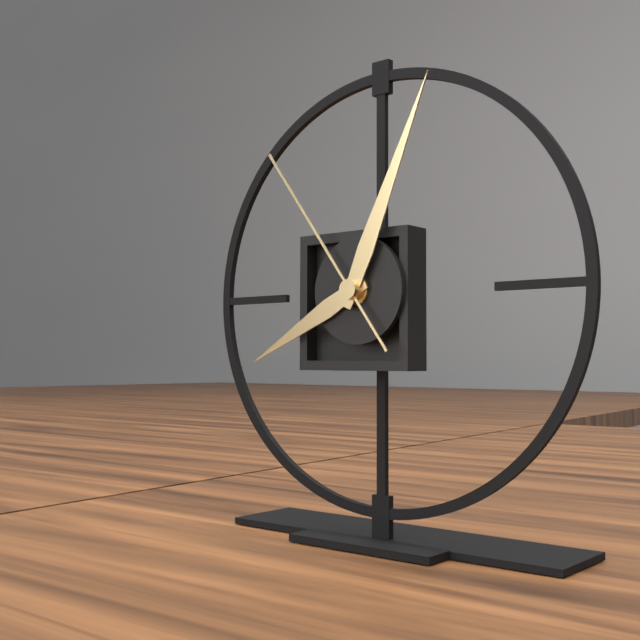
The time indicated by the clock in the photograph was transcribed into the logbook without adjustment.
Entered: 8:04:54
